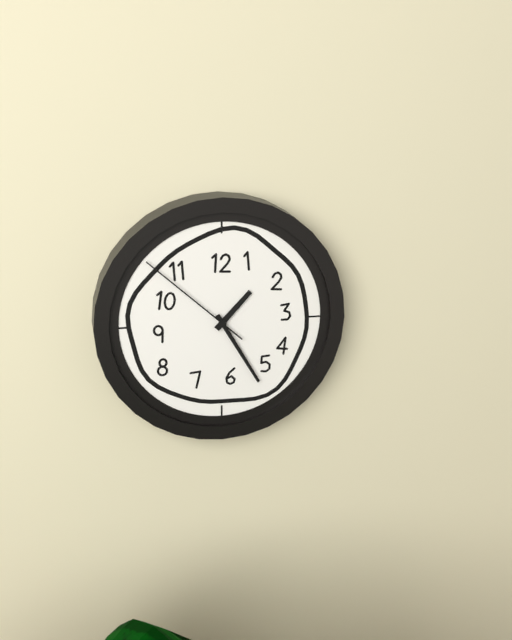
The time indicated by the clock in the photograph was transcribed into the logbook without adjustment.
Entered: 1:25:52
